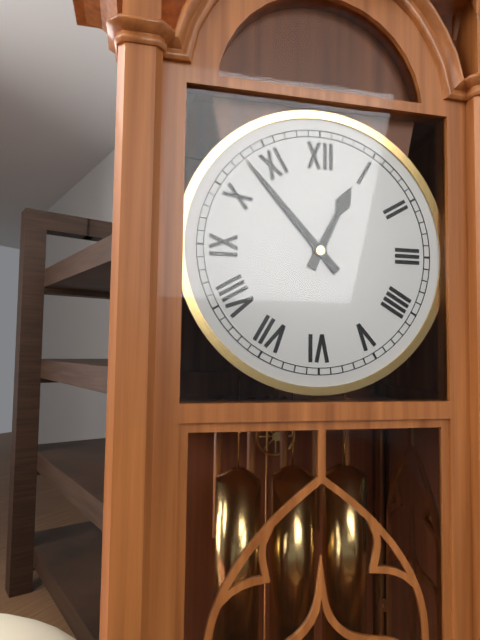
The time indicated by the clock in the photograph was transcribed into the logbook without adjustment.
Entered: 12:53
